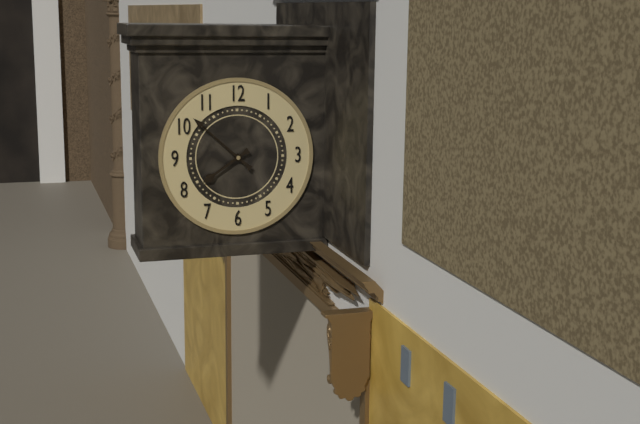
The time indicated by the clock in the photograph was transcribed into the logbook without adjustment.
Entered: 7:52
